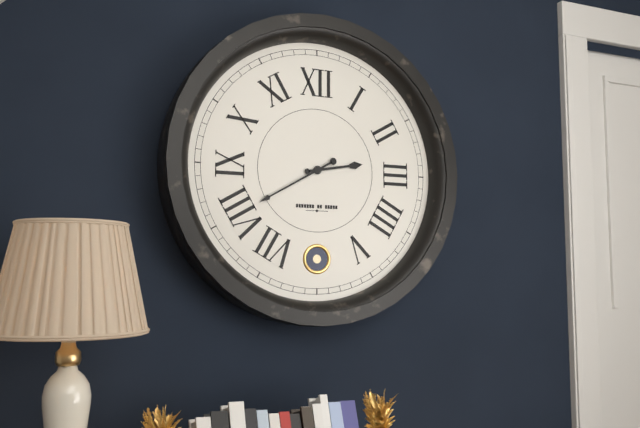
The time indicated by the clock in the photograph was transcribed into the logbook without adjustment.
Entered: 2:40
